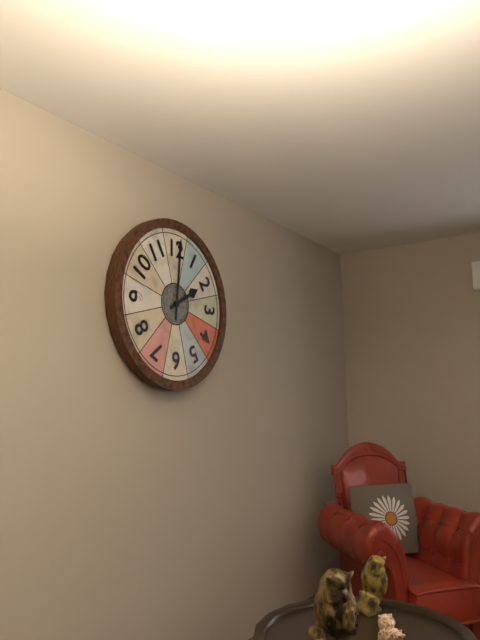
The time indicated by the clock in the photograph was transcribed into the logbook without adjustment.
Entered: 2:01
